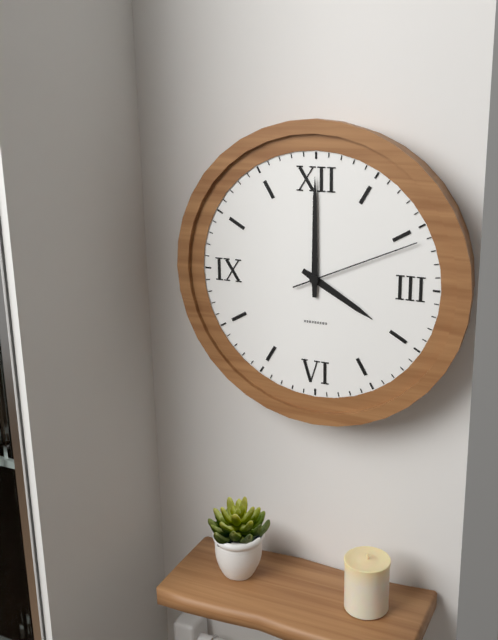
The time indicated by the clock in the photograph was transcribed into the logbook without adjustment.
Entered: 4:00:11
